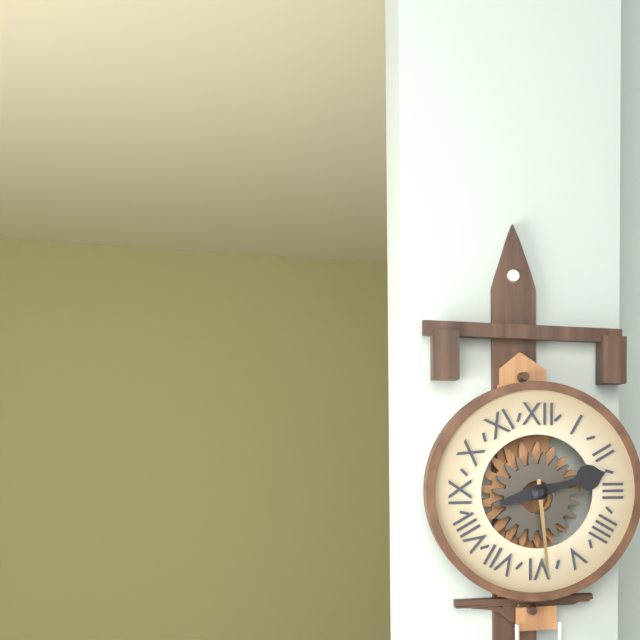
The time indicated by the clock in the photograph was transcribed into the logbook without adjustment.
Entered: 2:29
